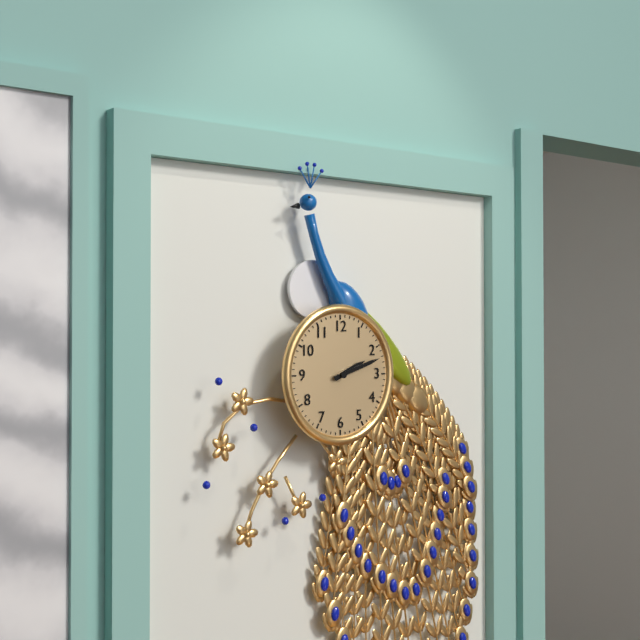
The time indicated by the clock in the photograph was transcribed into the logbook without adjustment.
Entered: 2:12
